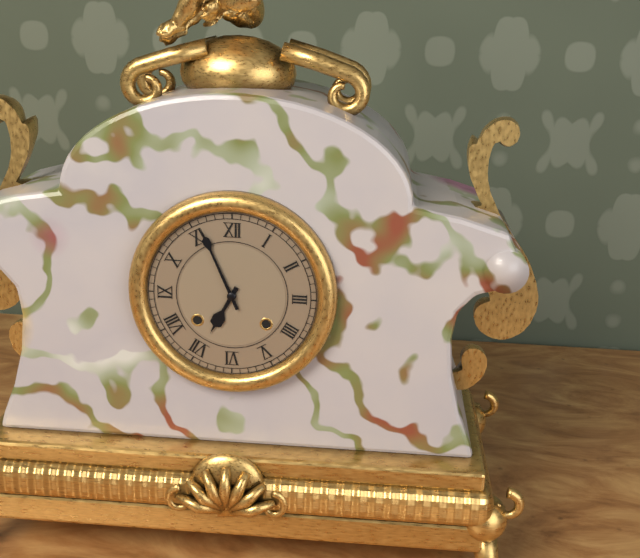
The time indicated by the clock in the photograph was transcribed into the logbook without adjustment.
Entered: 6:56
